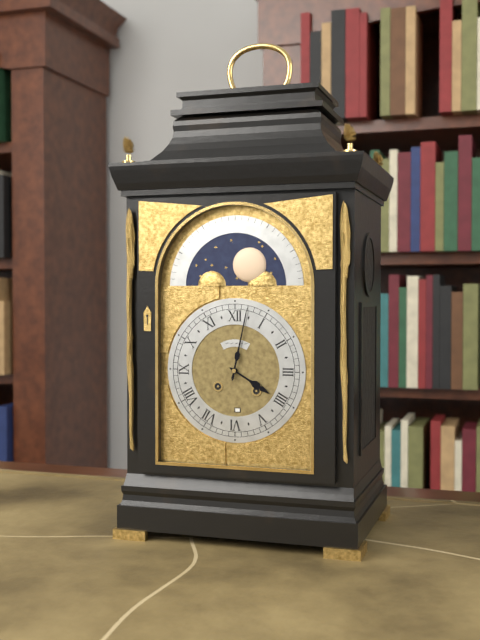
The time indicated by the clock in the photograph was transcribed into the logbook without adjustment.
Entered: 4:02
